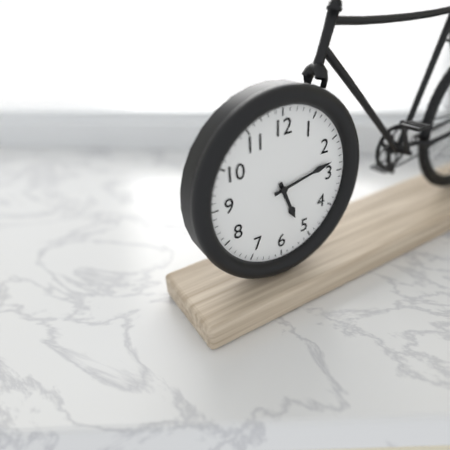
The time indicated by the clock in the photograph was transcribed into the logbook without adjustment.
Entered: 5:13
